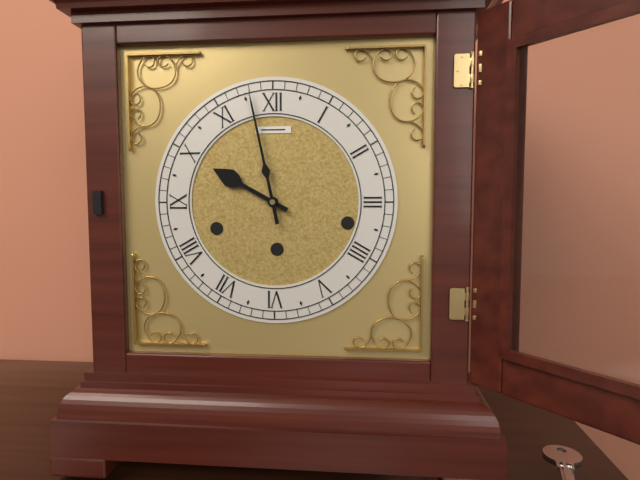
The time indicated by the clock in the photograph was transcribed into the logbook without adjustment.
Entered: 9:58
